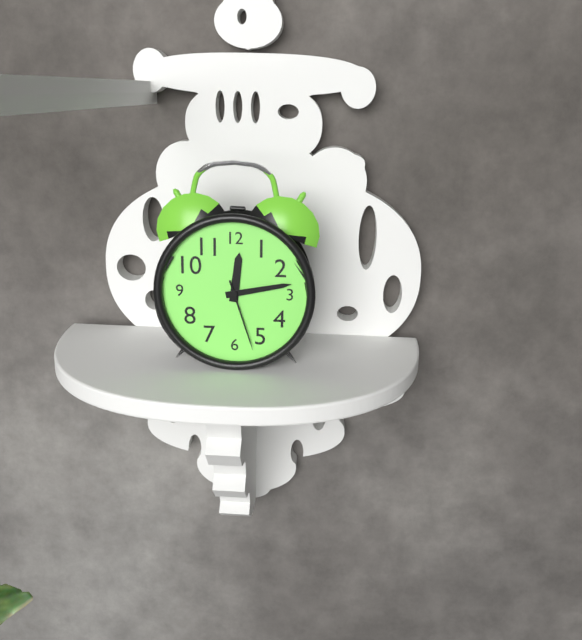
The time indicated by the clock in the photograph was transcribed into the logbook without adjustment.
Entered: 12:13:27
